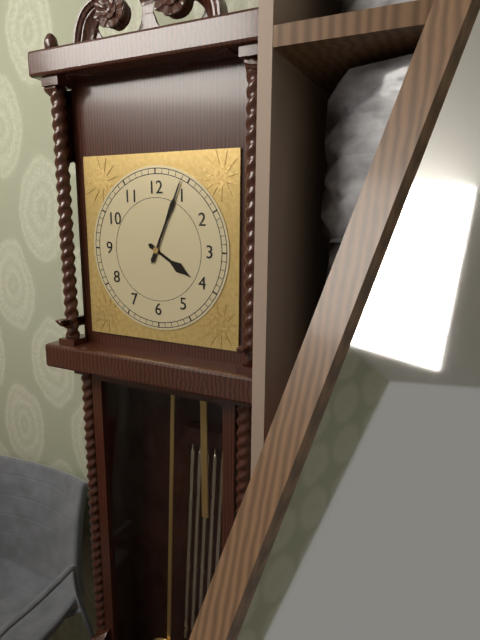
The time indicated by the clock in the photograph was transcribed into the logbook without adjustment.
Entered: 4:04
